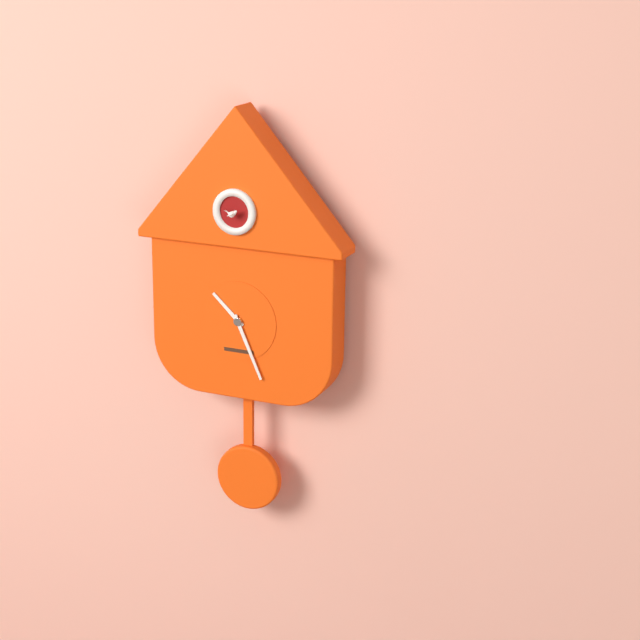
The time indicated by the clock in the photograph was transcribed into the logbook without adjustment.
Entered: 10:26
